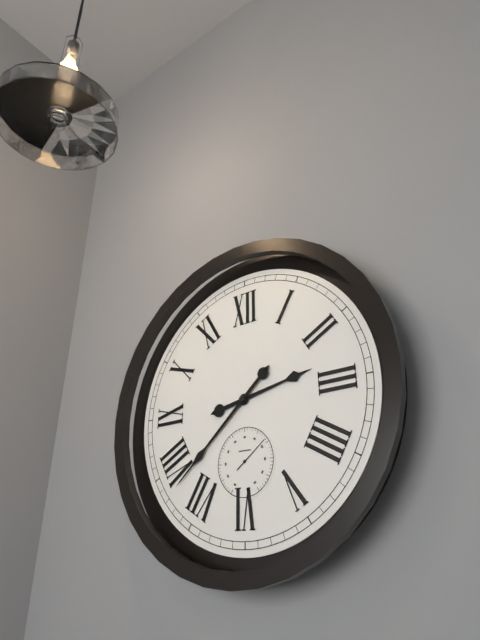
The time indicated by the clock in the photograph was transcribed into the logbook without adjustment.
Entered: 2:38
